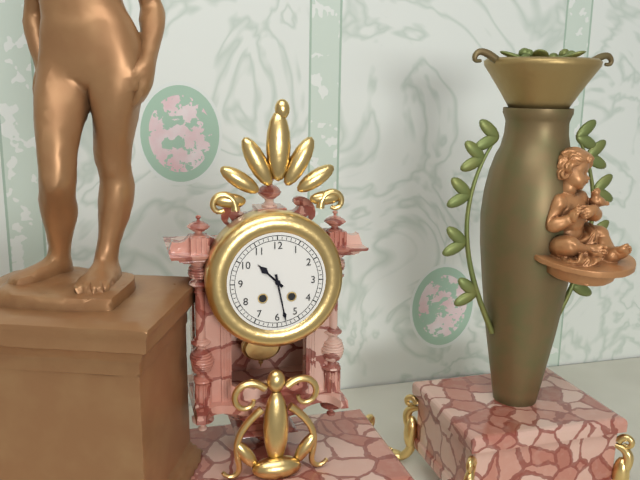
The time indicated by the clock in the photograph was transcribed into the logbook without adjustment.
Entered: 10:28
